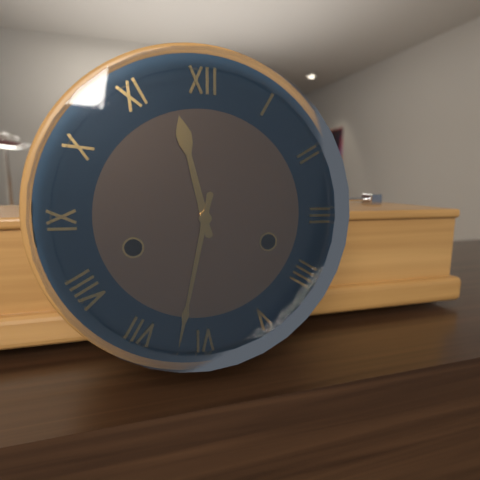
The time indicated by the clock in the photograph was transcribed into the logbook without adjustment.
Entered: 11:32
